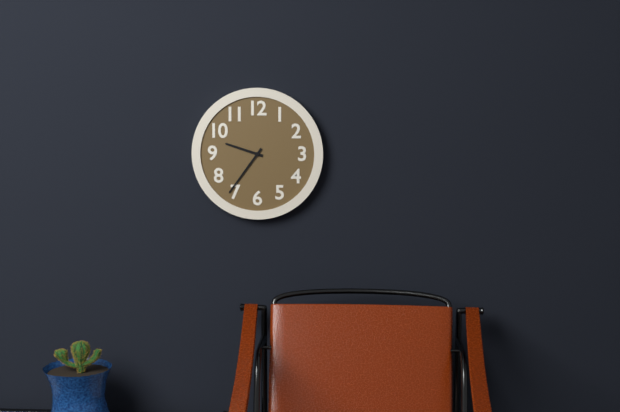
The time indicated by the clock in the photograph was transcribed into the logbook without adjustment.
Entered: 9:36
